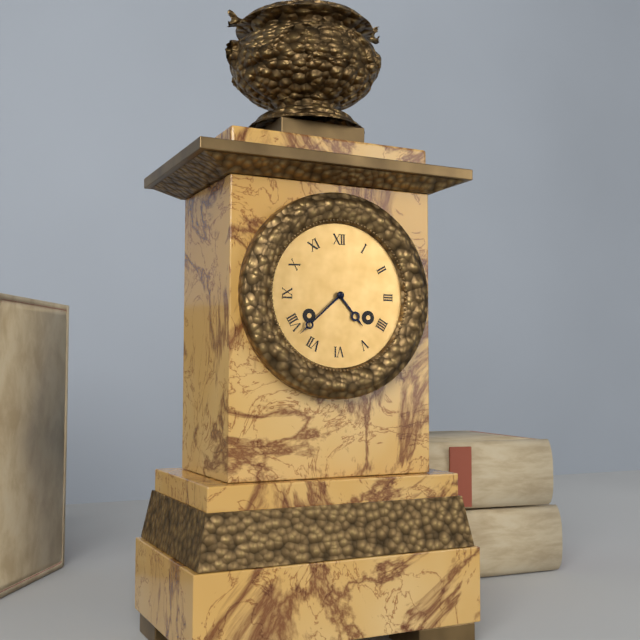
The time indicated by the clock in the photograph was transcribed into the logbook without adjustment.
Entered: 4:38
